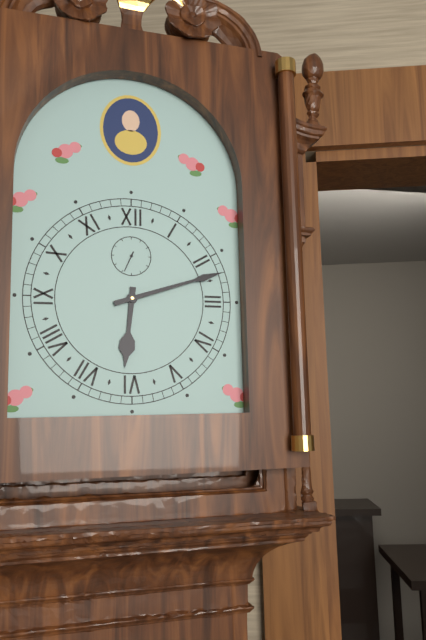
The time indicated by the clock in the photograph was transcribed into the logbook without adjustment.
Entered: 6:12
